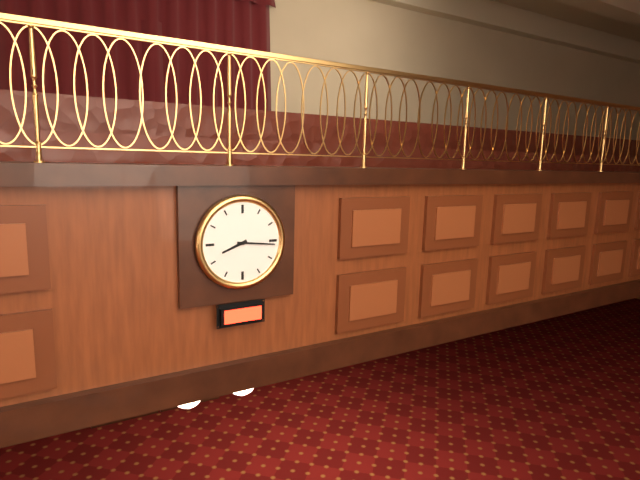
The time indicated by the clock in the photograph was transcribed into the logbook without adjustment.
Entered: 8:16
